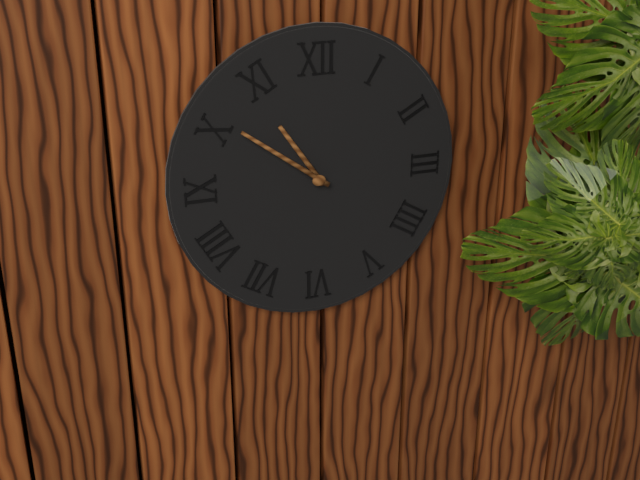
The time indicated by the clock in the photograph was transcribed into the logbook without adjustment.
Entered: 10:51
